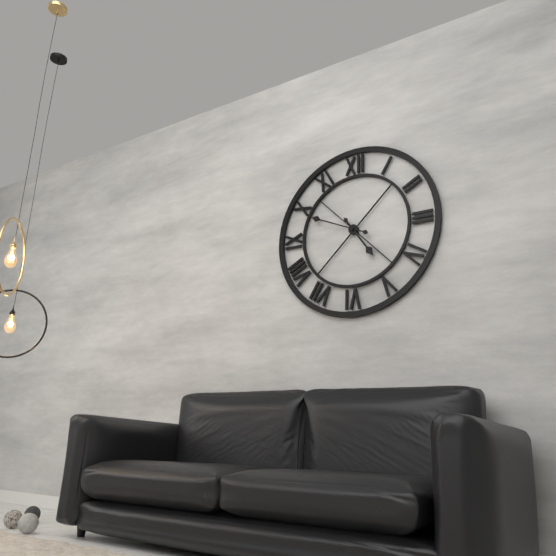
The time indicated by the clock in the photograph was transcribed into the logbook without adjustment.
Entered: 4:49
